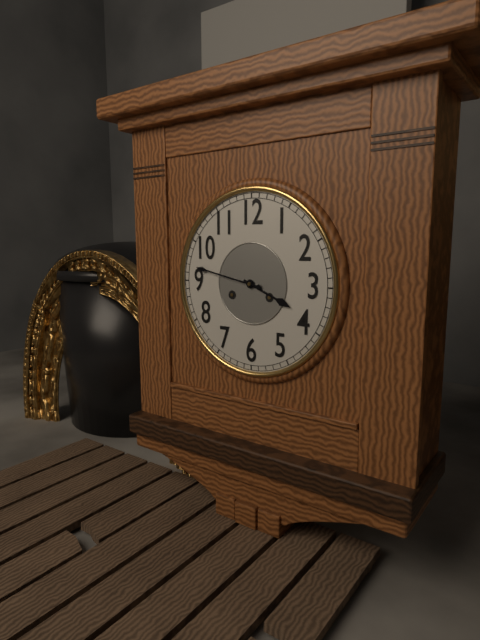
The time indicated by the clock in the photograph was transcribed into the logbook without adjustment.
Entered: 3:47
